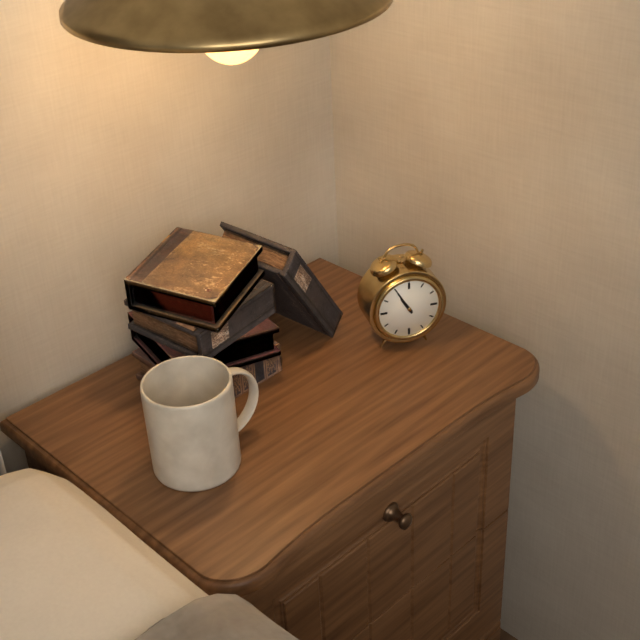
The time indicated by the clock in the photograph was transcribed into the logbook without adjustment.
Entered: 10:55
